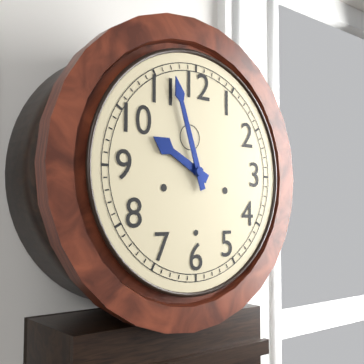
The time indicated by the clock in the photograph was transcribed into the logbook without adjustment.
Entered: 9:57
